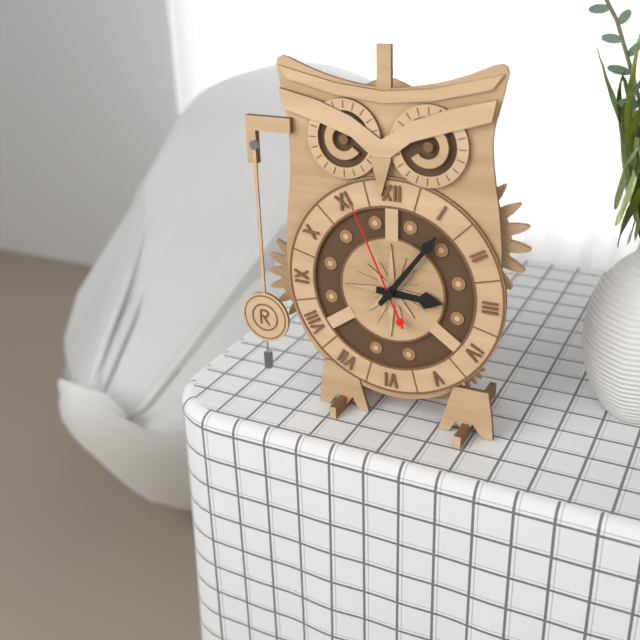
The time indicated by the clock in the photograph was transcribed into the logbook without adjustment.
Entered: 3:06:56
